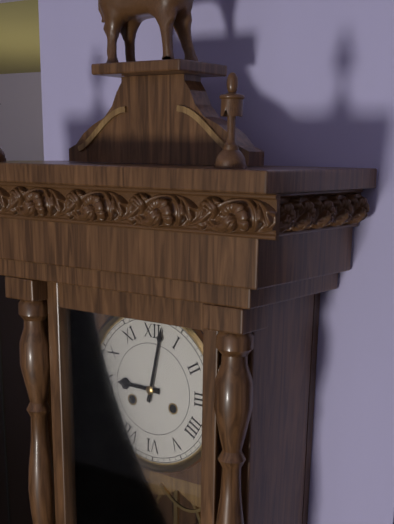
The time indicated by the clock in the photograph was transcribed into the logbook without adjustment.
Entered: 9:02
